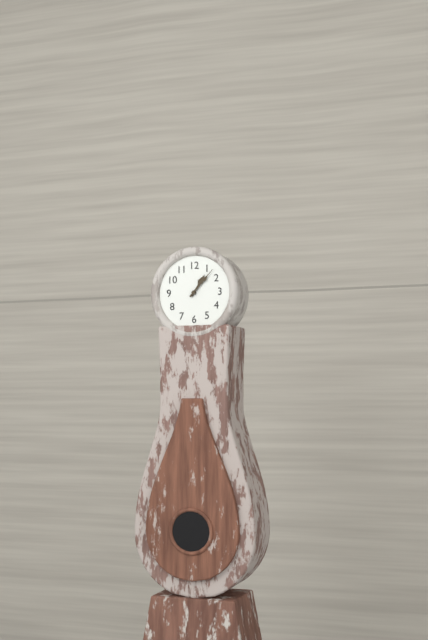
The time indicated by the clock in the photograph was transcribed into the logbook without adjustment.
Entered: 1:07
